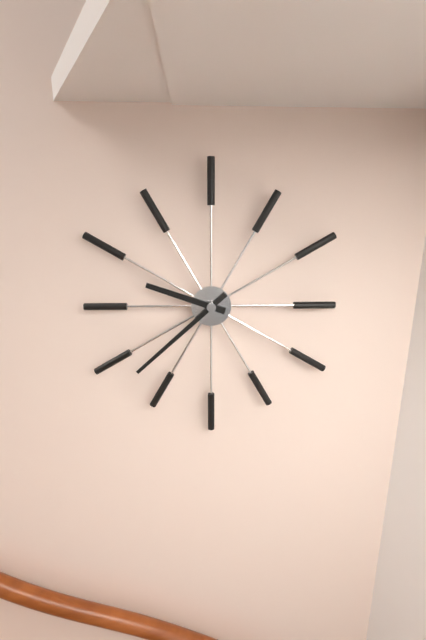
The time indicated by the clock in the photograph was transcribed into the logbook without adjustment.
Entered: 9:38
